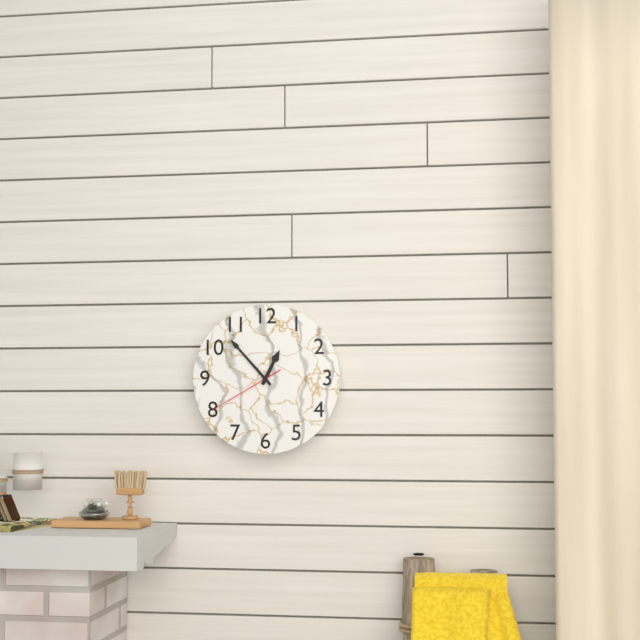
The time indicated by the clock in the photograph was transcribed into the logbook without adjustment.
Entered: 12:53:40
